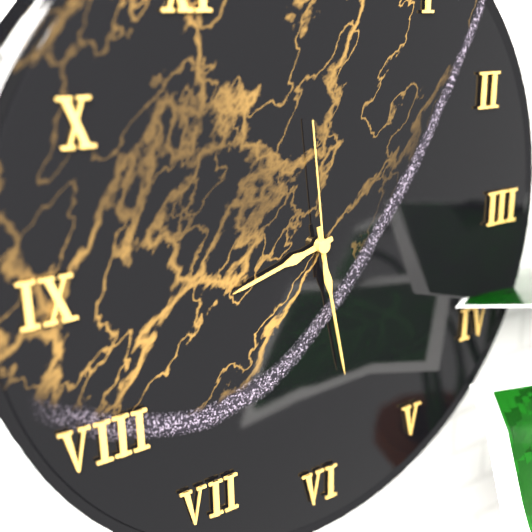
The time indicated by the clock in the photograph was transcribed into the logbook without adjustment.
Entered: 8:28:59
